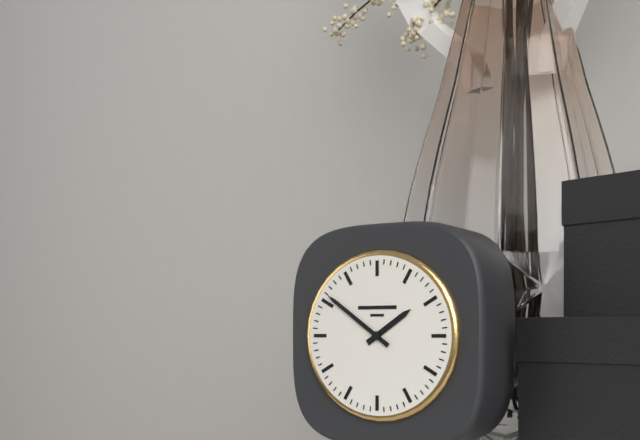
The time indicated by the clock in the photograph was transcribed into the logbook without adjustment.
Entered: 1:51
